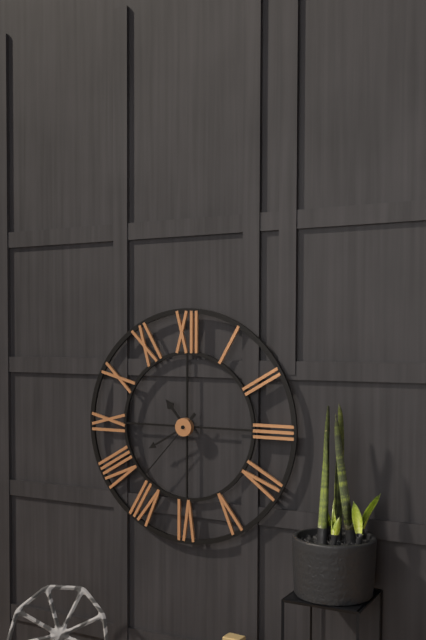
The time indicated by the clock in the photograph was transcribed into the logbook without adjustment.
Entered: 10:40:37
